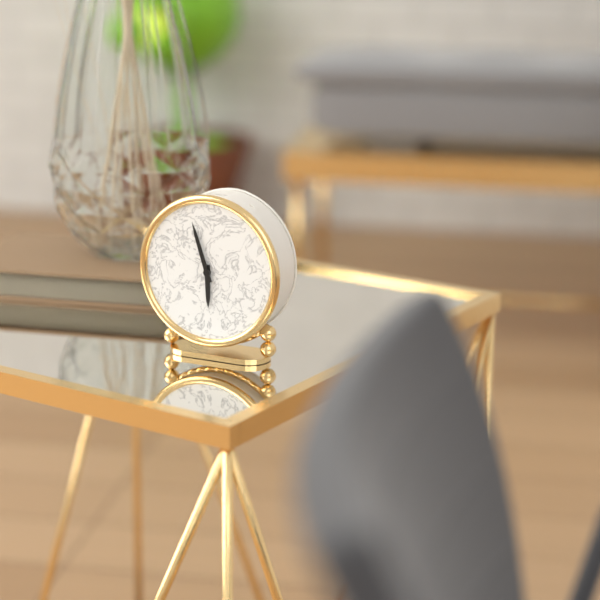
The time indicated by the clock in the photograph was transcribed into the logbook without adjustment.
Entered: 5:57
